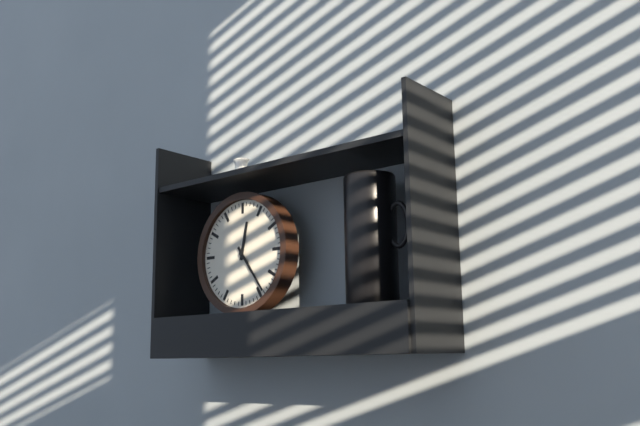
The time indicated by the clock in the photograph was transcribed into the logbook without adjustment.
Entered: 12:24
